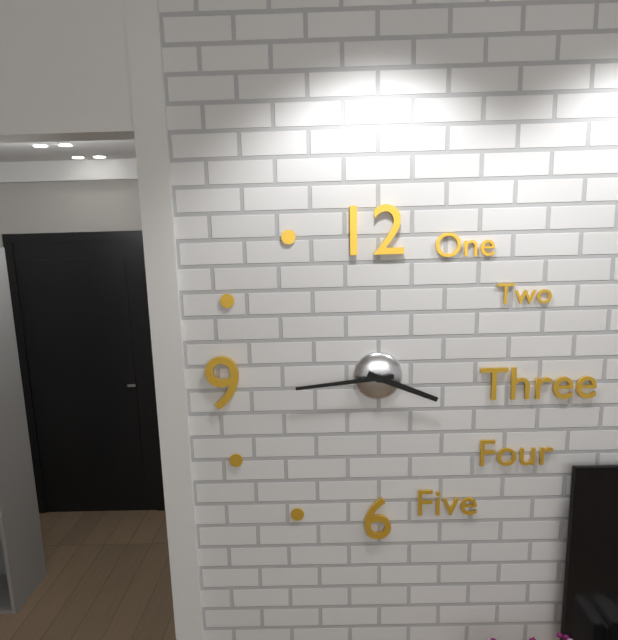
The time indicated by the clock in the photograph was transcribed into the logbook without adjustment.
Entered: 3:44
